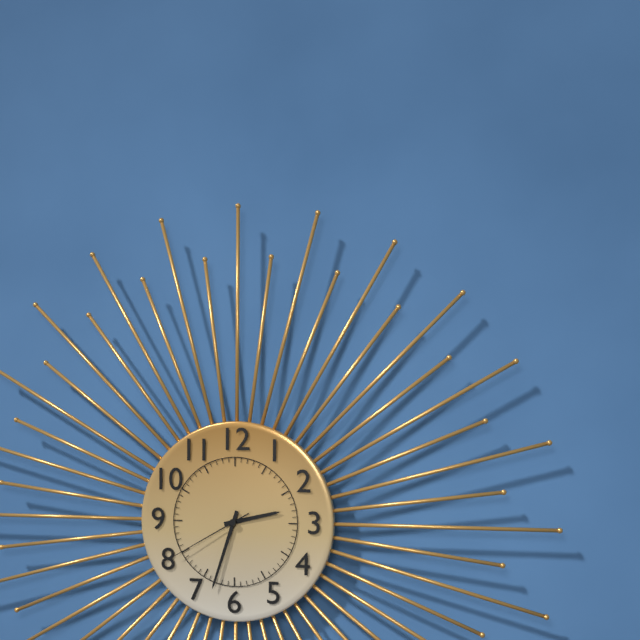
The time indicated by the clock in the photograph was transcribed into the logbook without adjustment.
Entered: 2:33:40
